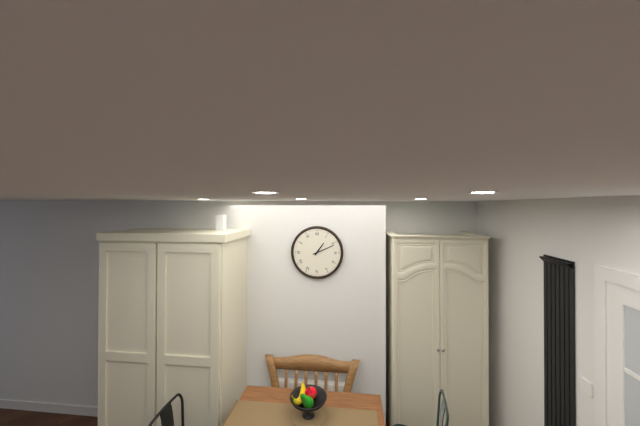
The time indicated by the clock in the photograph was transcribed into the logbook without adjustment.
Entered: 1:11
